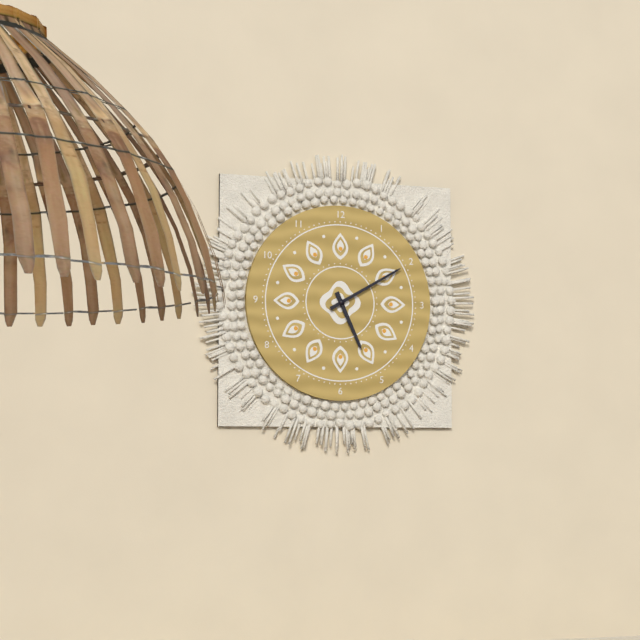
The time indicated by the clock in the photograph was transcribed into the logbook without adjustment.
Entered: 5:10
